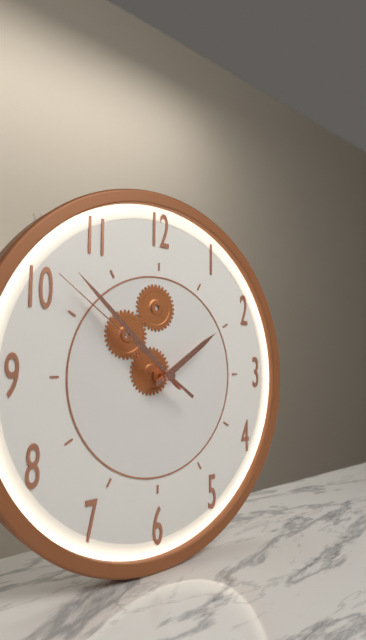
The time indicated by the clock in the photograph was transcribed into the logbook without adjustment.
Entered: 1:52:51
